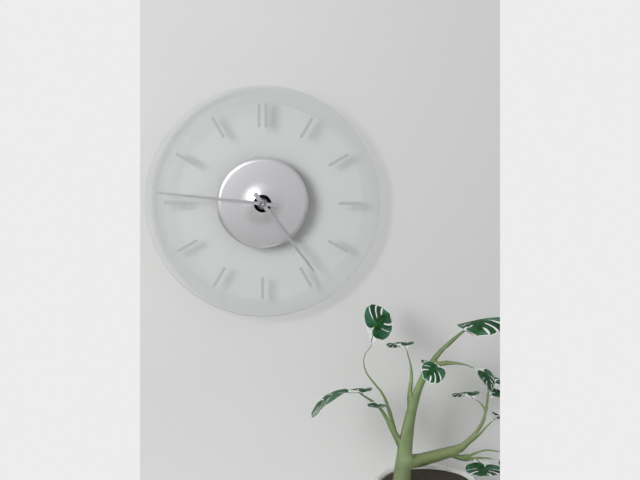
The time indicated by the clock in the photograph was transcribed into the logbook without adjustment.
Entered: 4:46
